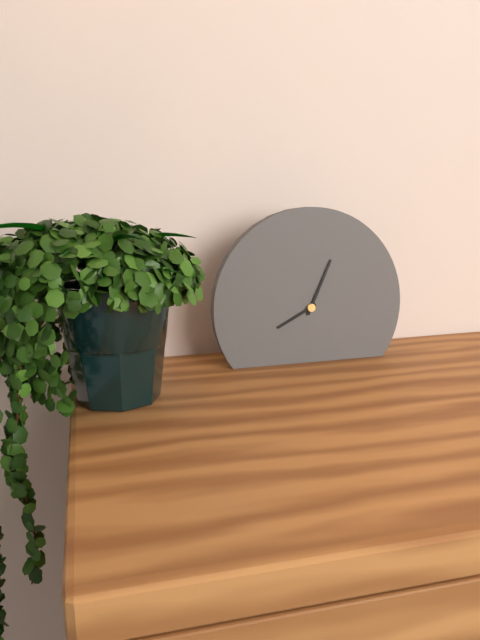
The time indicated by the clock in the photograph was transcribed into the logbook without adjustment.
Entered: 8:04
